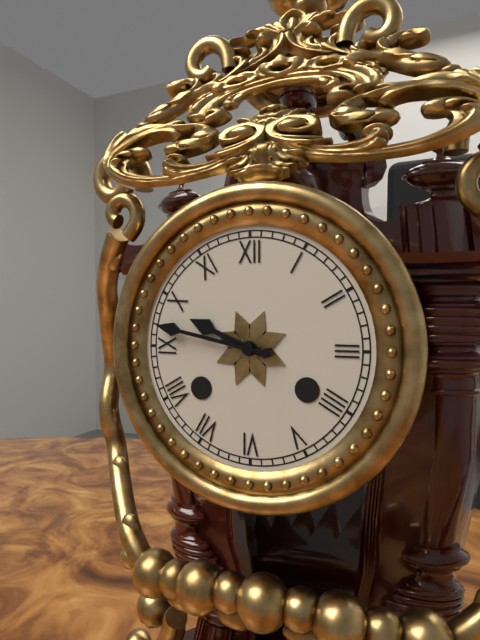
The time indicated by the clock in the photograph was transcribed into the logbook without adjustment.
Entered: 9:47
